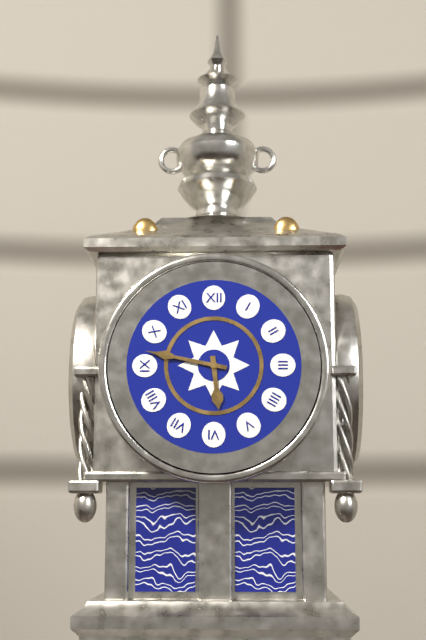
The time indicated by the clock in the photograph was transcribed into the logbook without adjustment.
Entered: 5:47
